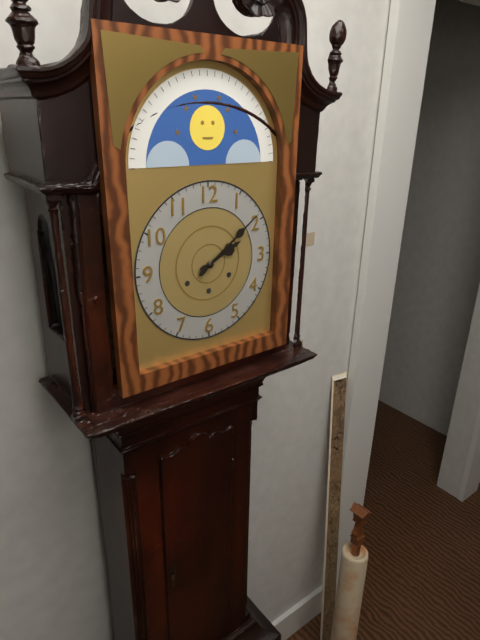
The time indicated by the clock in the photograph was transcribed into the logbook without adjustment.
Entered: 2:09
